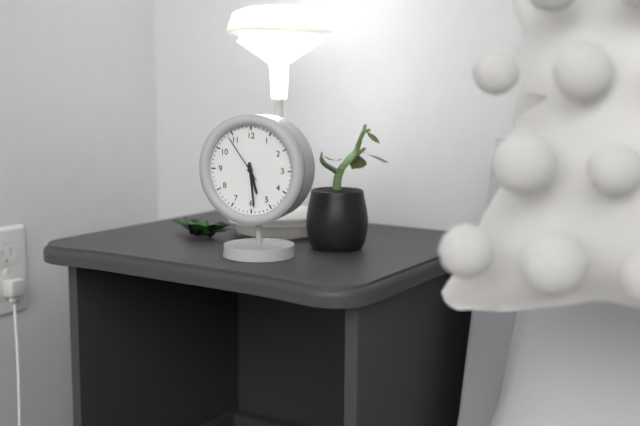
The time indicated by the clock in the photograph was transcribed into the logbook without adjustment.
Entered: 5:29:54
